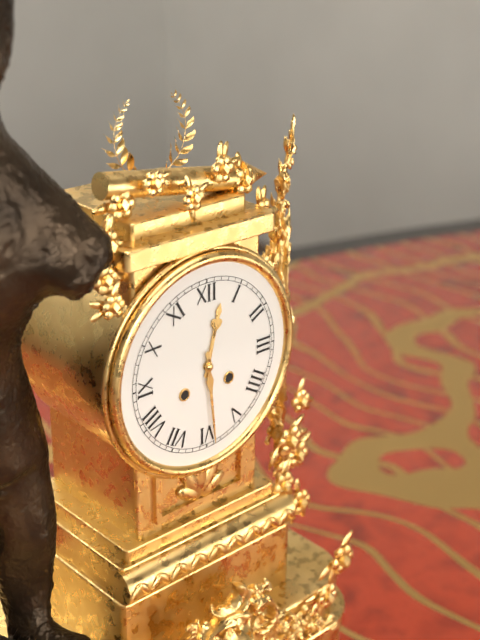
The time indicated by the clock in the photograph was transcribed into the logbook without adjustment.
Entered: 12:29
